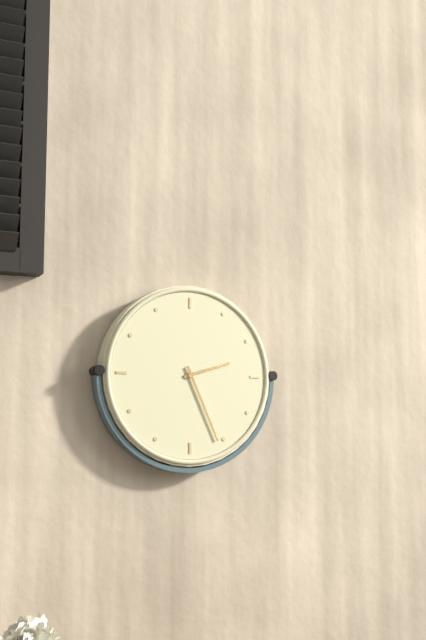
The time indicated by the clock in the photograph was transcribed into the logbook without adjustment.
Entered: 2:26
